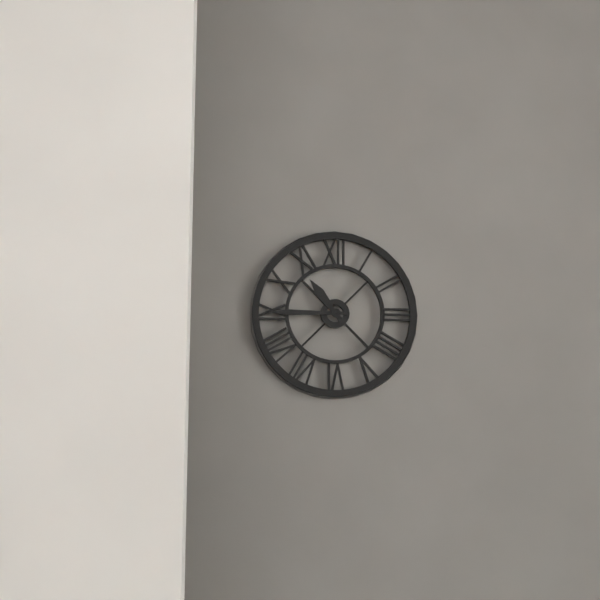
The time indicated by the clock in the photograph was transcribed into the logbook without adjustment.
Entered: 10:45
